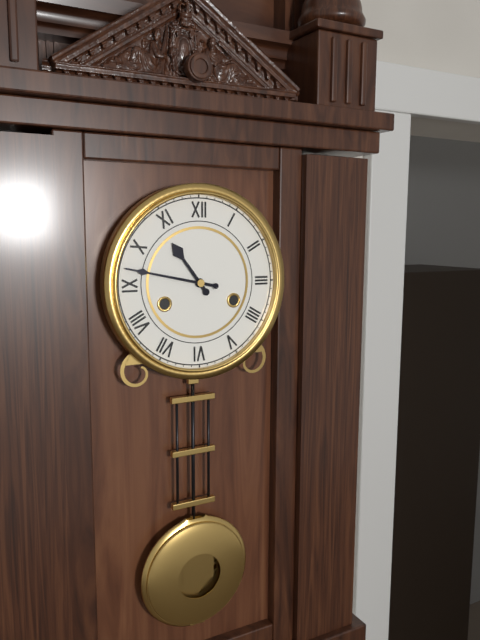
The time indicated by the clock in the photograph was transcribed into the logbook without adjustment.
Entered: 10:47
